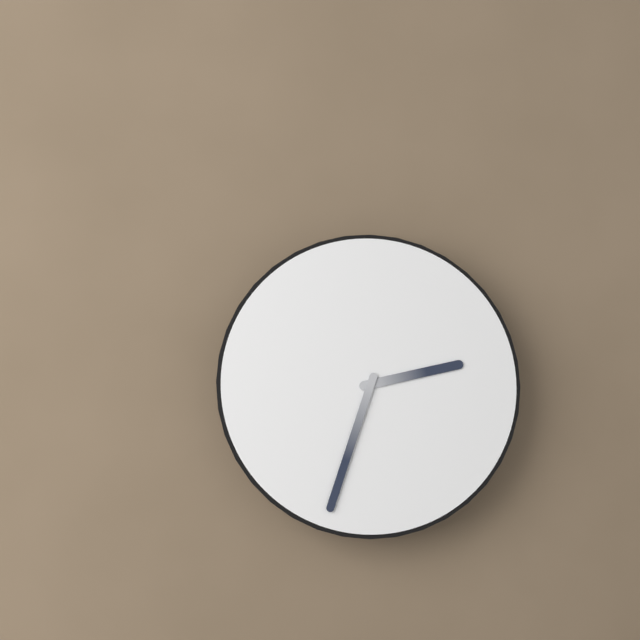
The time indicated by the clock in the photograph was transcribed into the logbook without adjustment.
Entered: 2:33
